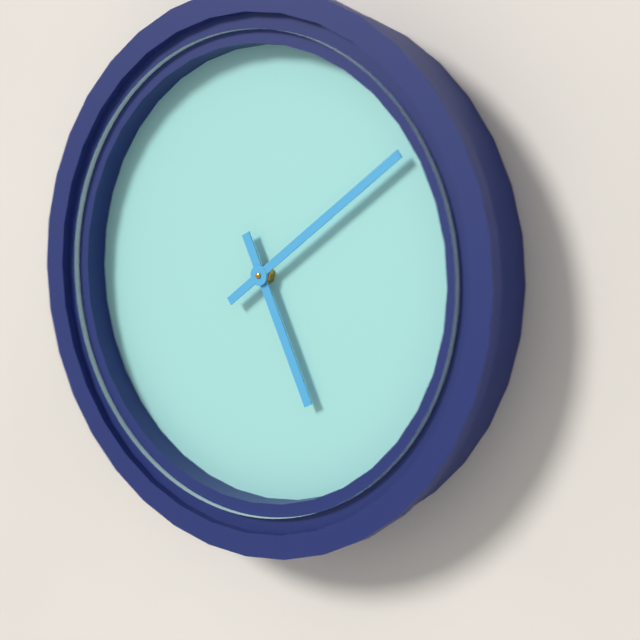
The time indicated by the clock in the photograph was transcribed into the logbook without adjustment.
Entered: 5:09
